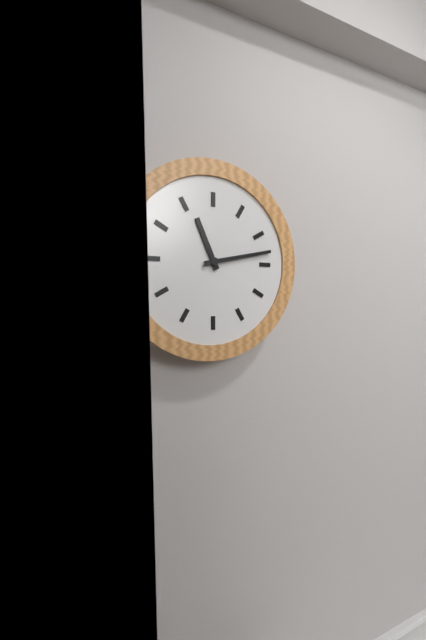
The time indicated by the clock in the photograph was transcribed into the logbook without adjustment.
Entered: 11:13
